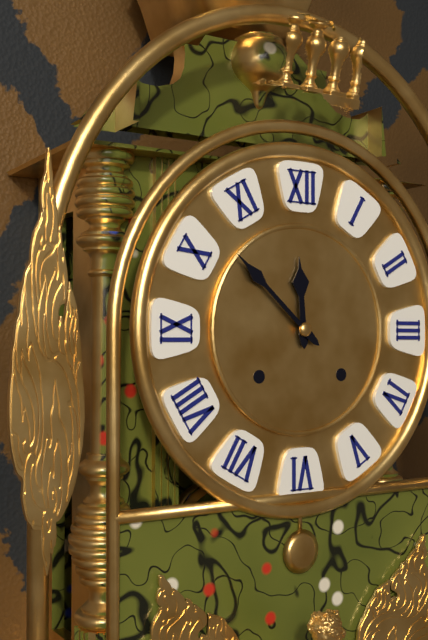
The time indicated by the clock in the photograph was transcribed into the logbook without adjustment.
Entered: 11:52
